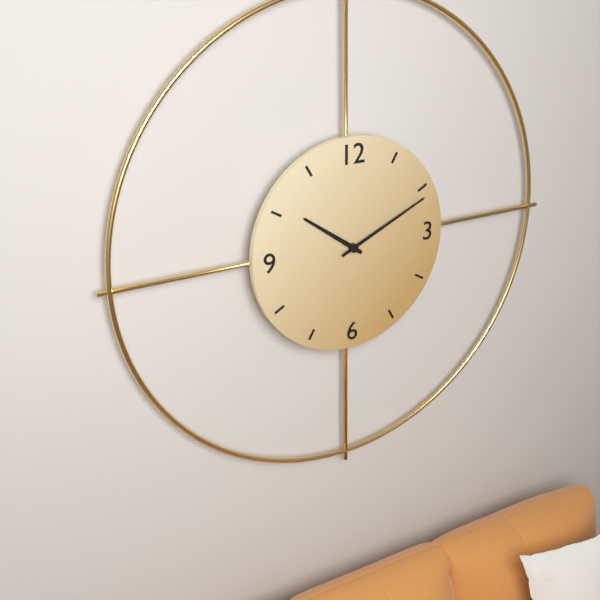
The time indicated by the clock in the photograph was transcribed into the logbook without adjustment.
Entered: 10:11
